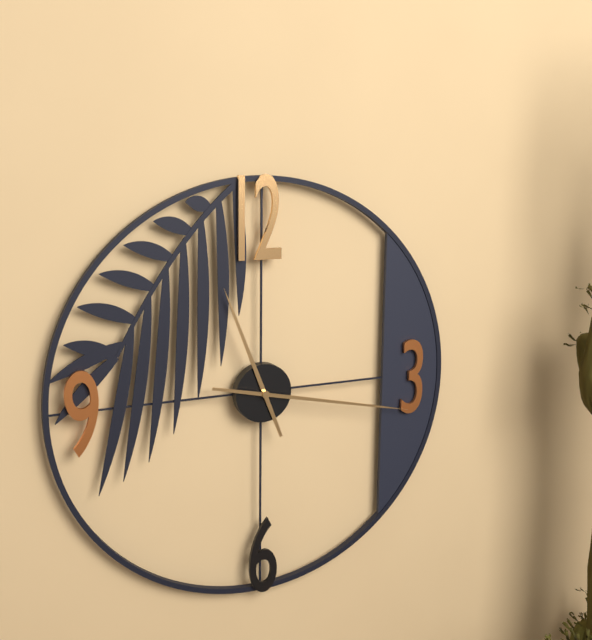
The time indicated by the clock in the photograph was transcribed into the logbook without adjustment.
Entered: 11:17
